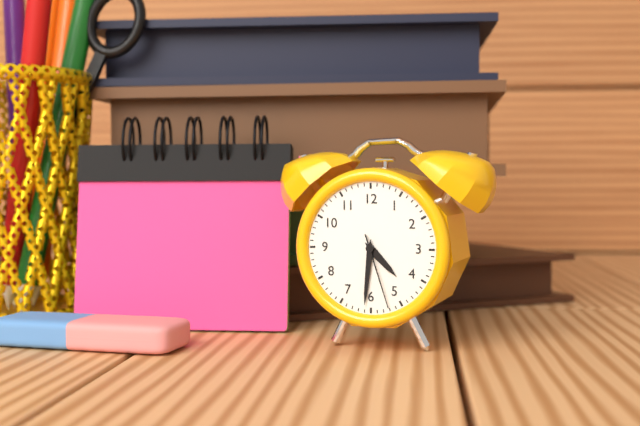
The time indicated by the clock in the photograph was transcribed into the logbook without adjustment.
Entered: 4:31:27
